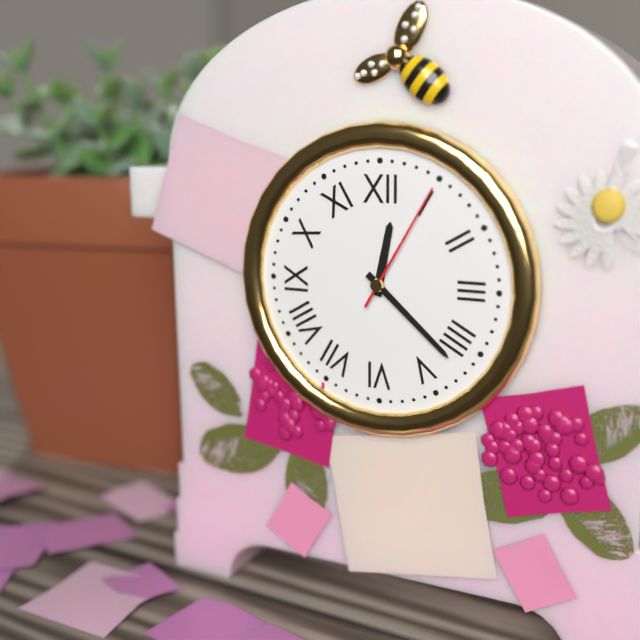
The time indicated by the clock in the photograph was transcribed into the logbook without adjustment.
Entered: 12:22:05
